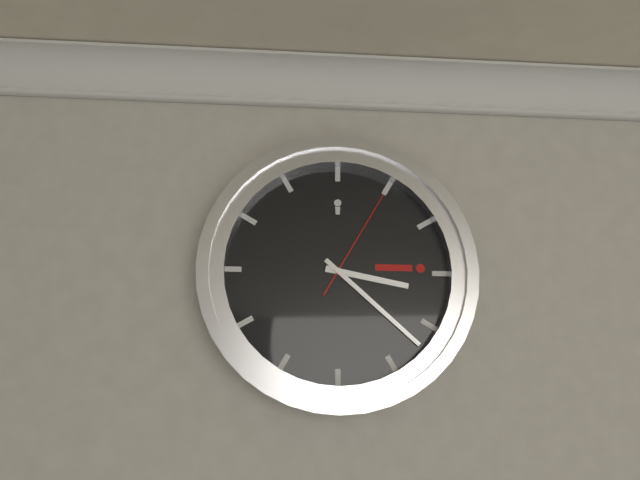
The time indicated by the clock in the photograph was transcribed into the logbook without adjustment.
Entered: 3:22:05
